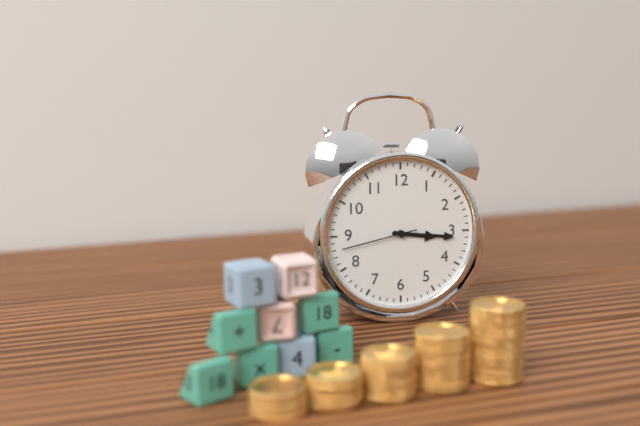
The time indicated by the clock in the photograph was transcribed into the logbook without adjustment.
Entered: 3:16:43
